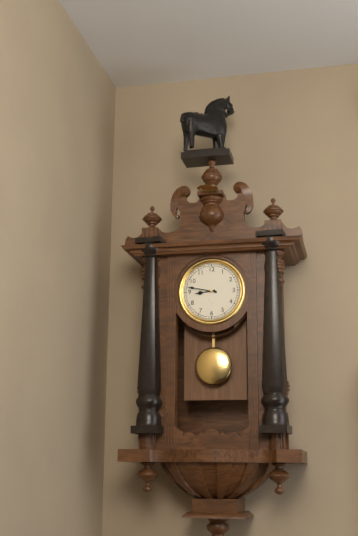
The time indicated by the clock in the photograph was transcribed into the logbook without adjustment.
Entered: 8:47
